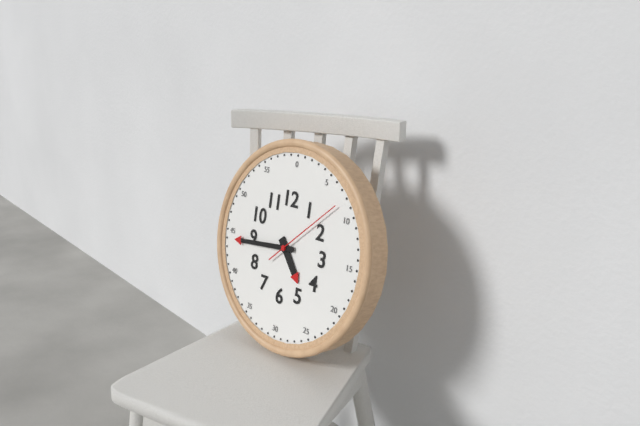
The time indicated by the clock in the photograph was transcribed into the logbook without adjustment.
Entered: 4:44:08
